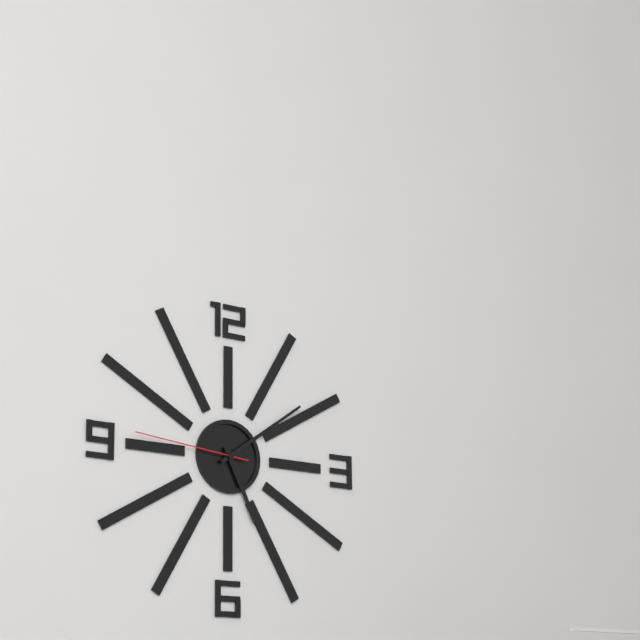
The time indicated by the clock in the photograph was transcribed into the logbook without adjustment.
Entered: 5:09:46
